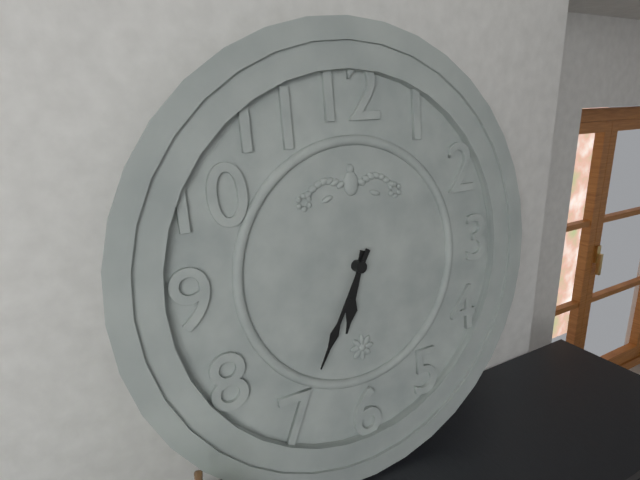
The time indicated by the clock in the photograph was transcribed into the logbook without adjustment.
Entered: 6:35
